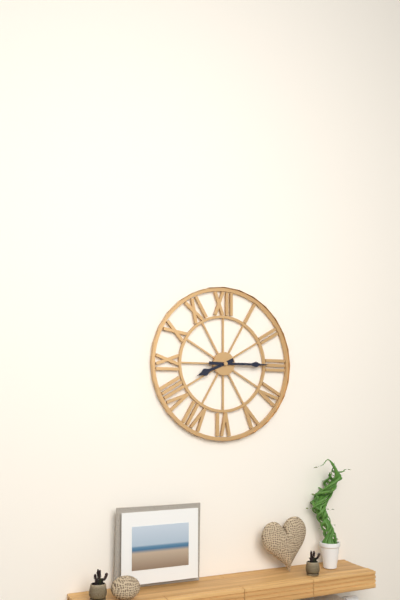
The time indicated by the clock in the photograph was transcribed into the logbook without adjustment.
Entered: 8:15
